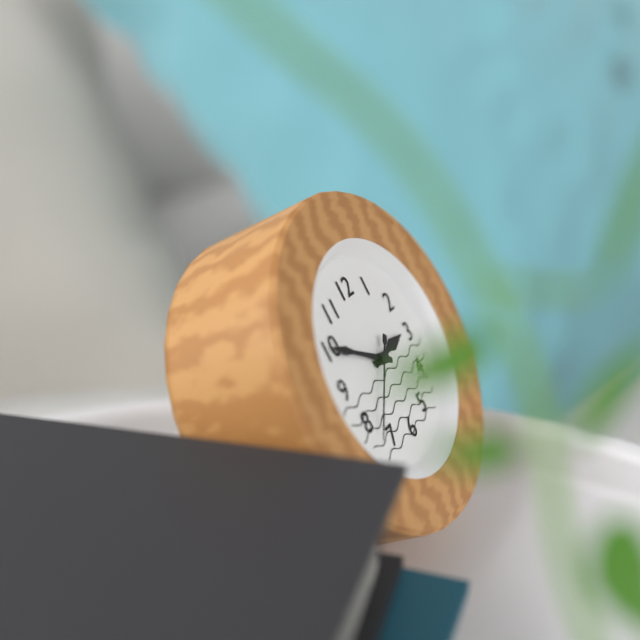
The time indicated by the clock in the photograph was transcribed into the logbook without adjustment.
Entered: 2:50:38
